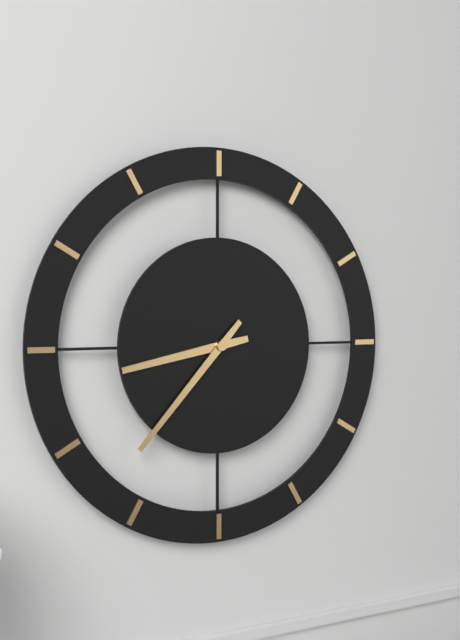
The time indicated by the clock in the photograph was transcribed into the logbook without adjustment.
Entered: 8:37
